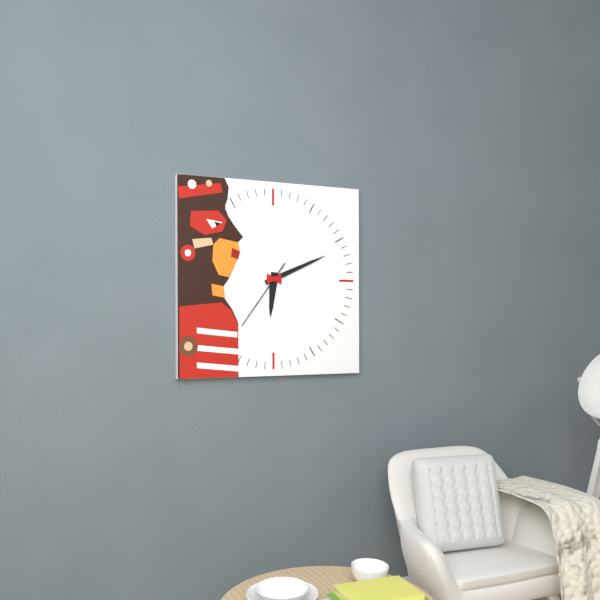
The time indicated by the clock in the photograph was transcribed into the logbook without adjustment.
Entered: 6:11:36
